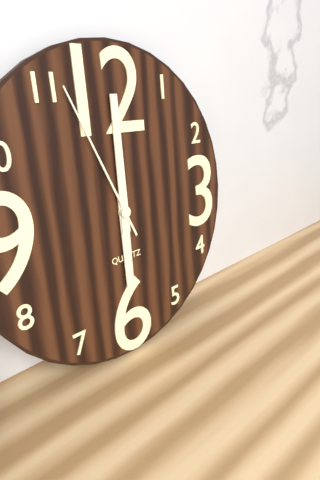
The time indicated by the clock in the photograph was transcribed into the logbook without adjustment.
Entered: 6:00:56
